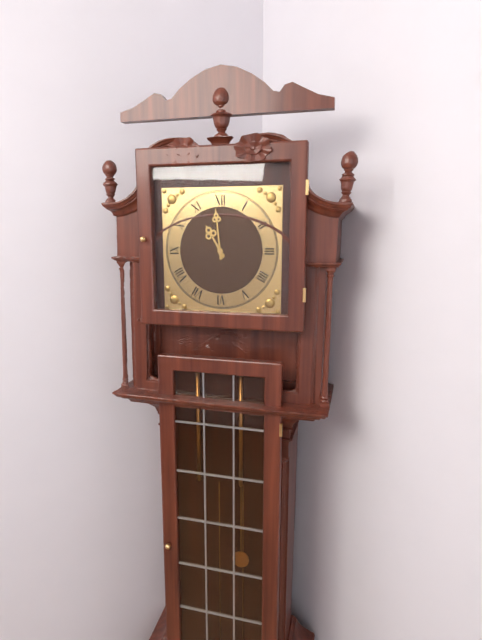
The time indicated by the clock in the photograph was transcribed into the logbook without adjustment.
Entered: 10:59
